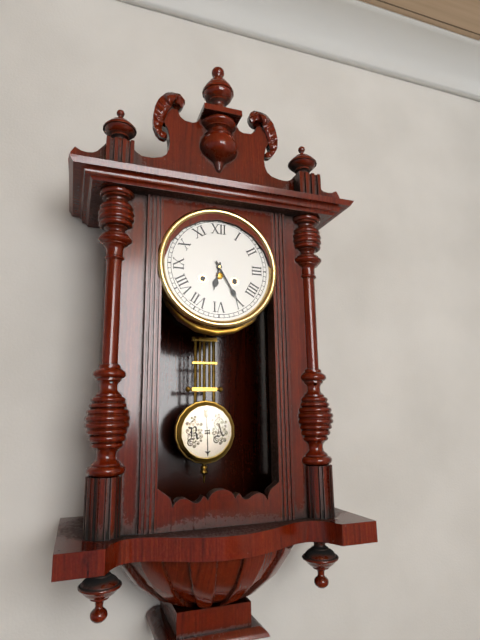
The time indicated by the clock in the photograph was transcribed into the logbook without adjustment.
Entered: 6:25
